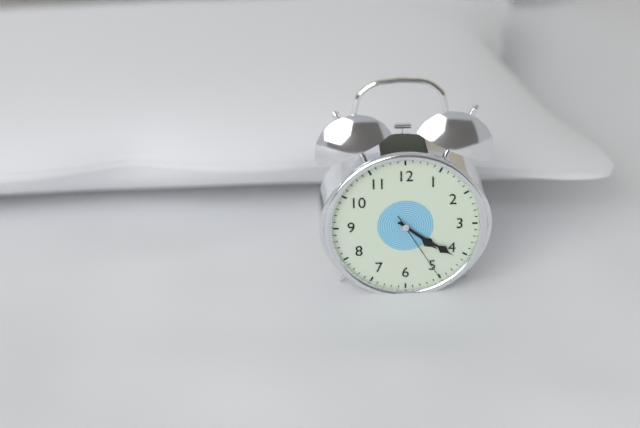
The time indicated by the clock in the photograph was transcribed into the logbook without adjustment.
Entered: 4:21:25
